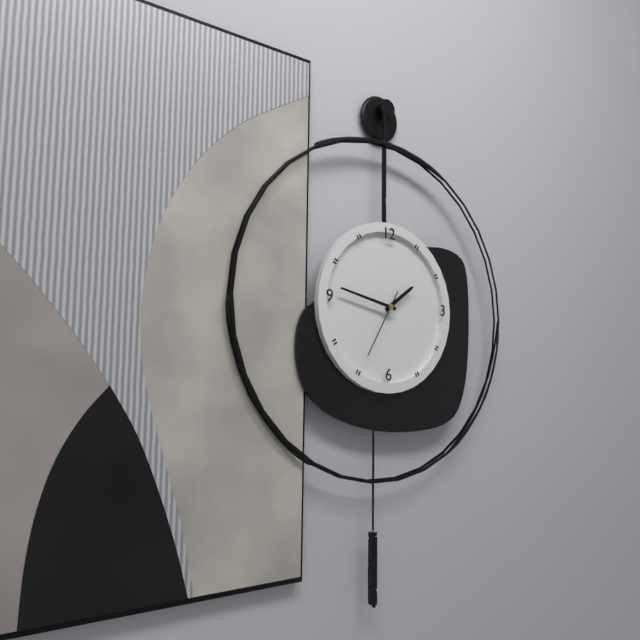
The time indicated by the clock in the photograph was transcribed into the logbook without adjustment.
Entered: 1:47:35
